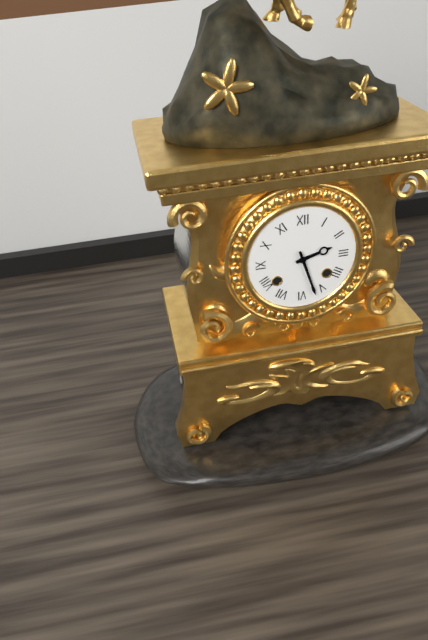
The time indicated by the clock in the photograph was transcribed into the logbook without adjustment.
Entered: 2:27
